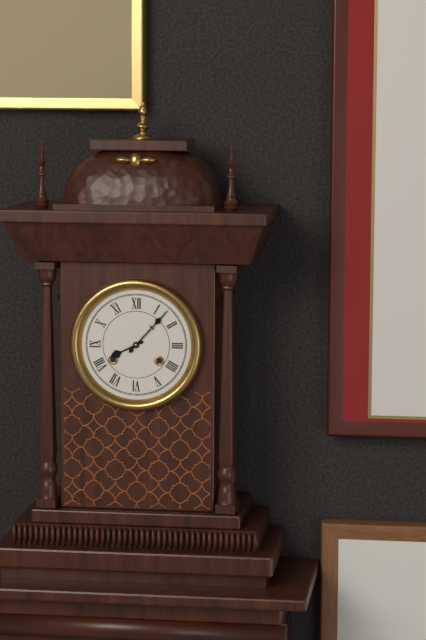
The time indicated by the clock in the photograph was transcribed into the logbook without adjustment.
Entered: 8:07
